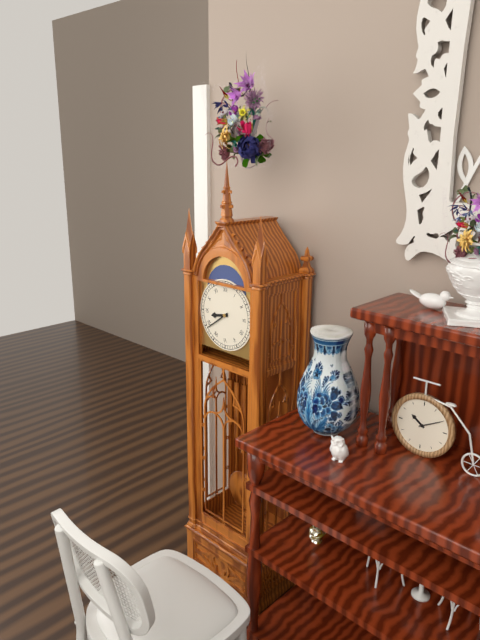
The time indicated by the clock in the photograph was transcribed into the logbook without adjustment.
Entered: 8:39
